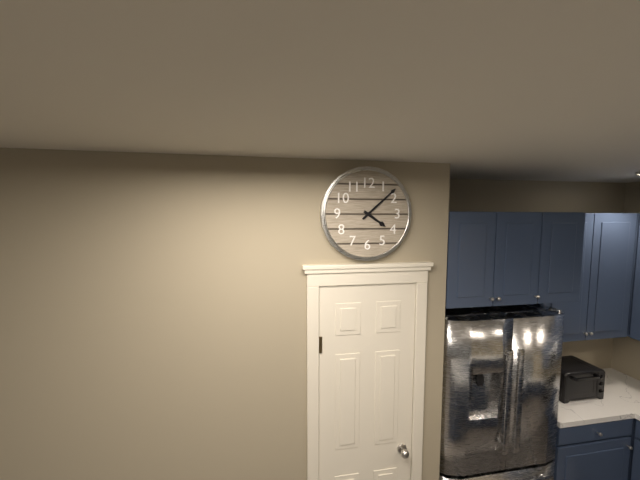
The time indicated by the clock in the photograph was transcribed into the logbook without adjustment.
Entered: 4:08
